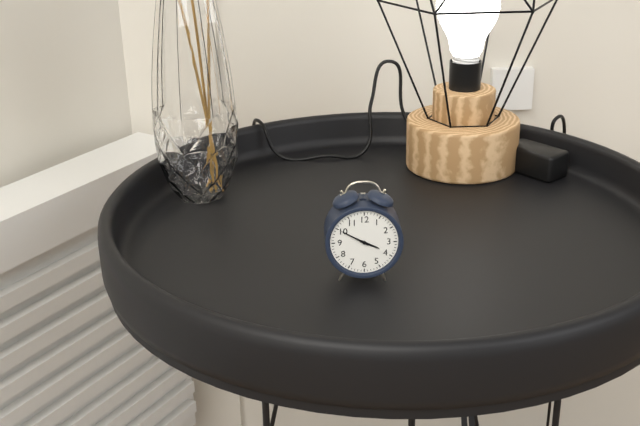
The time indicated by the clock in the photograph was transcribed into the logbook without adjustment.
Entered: 3:50
